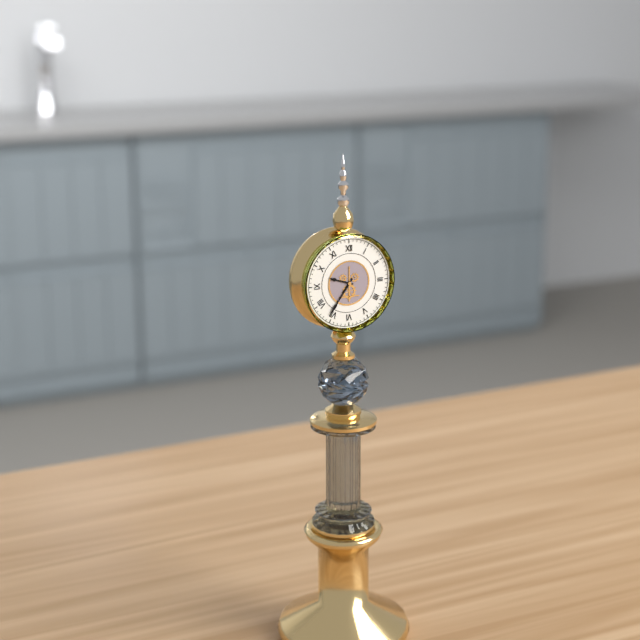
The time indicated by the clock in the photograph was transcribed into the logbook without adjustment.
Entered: 9:36
